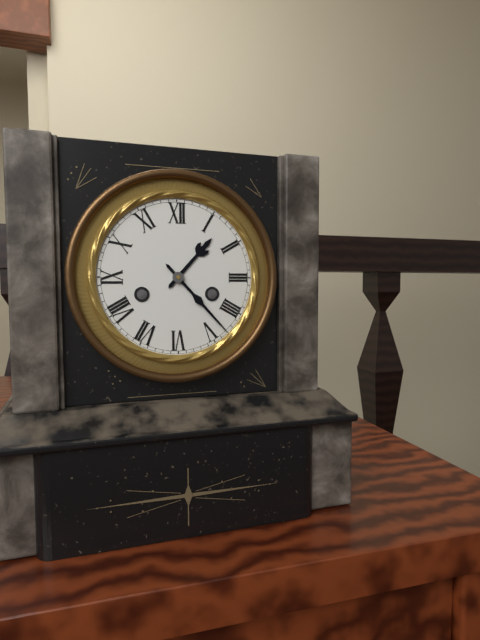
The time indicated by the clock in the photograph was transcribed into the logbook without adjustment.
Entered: 1:23
